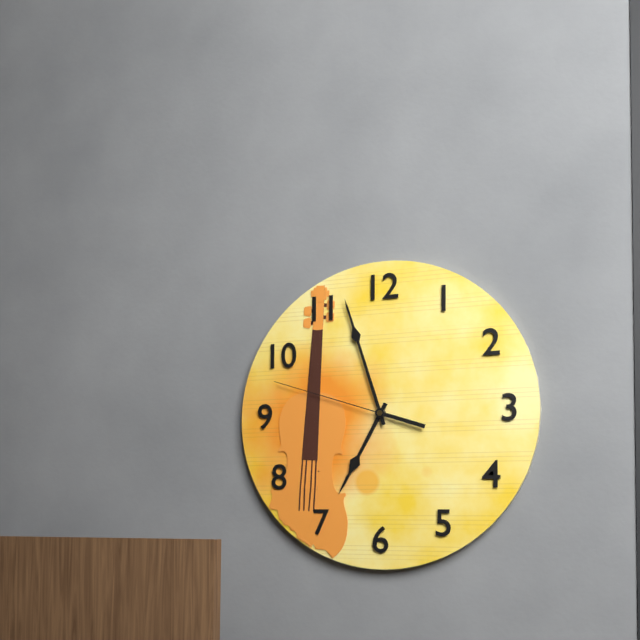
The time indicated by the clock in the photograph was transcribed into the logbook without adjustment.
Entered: 6:57:48
